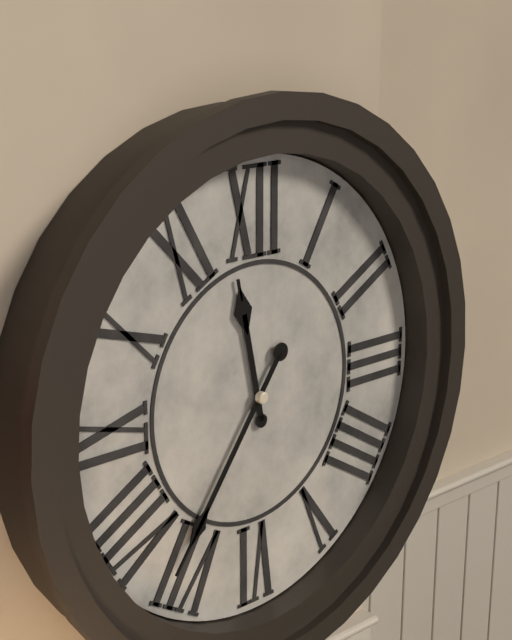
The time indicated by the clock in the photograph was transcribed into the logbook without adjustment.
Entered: 11:36
